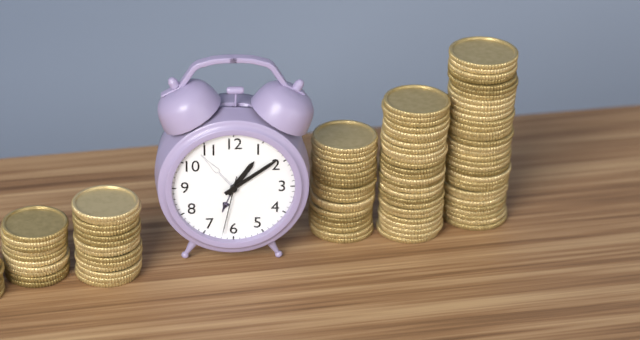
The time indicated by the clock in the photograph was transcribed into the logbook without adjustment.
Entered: 1:09:32
